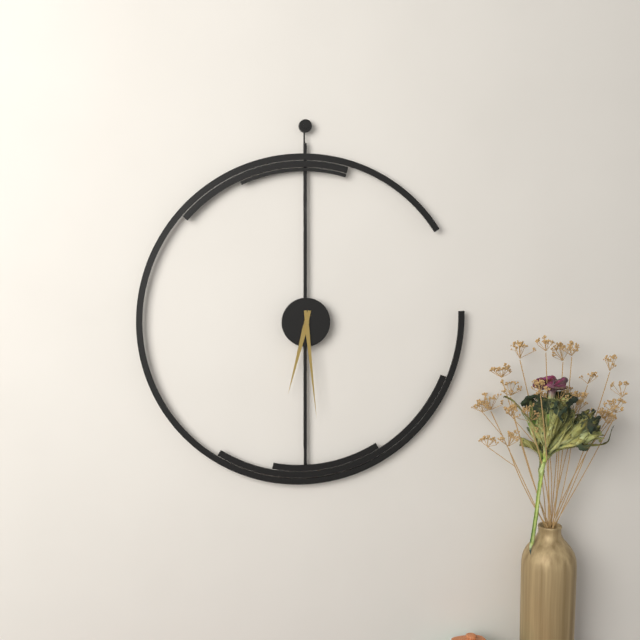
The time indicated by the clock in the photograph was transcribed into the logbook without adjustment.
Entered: 6:29
